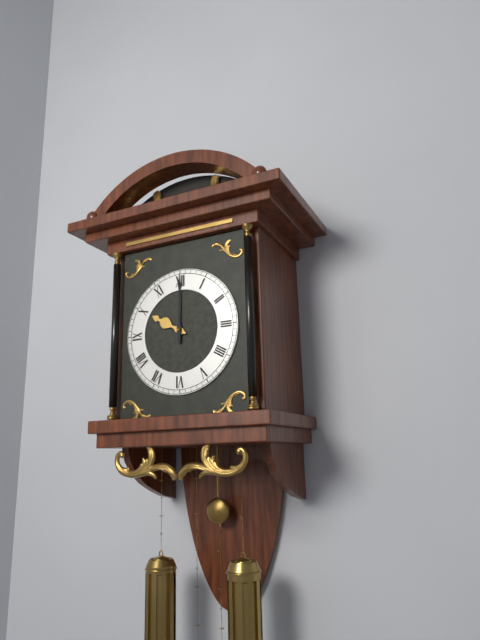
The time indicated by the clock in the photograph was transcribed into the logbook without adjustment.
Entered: 10:00
